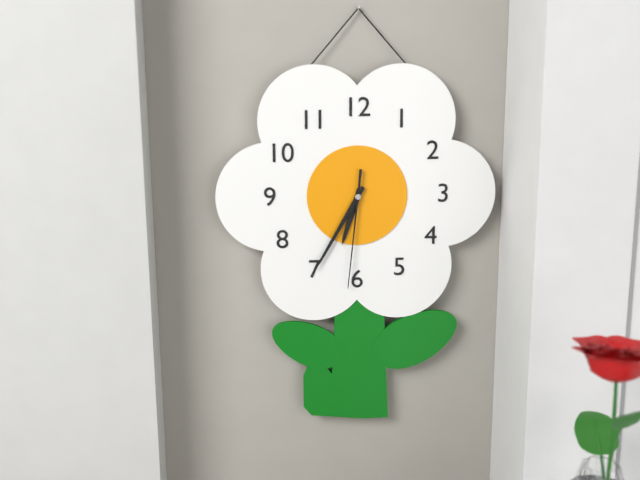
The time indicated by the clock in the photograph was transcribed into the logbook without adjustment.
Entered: 6:35:31
